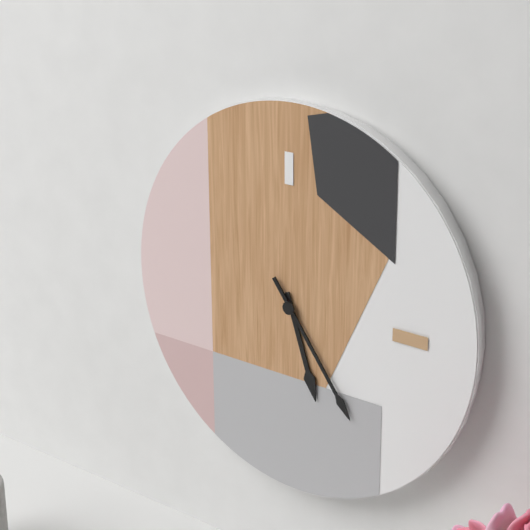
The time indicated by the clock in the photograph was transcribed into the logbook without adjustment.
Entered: 5:24
